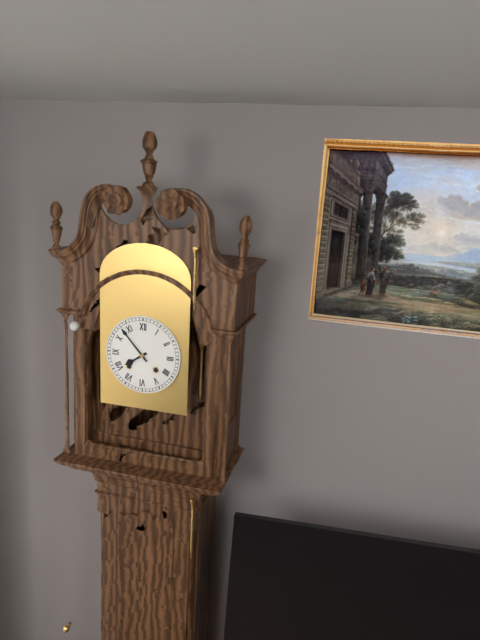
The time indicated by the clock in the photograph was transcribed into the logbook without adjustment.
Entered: 7:53
